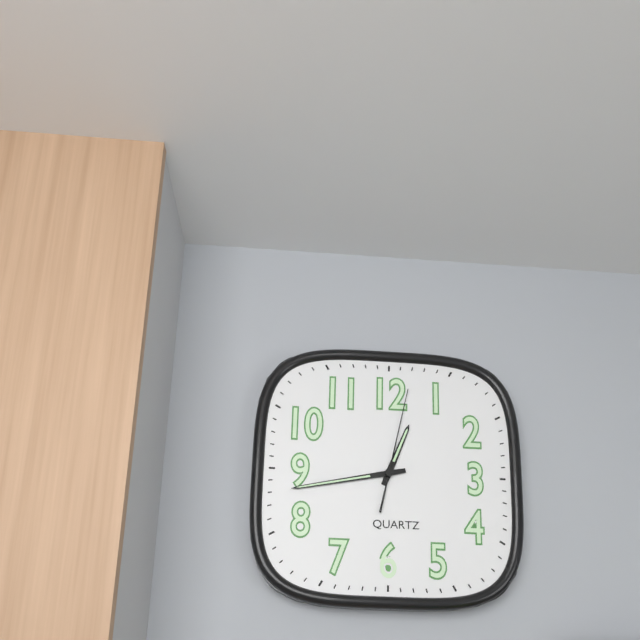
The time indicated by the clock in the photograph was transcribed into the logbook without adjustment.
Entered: 12:43:02
